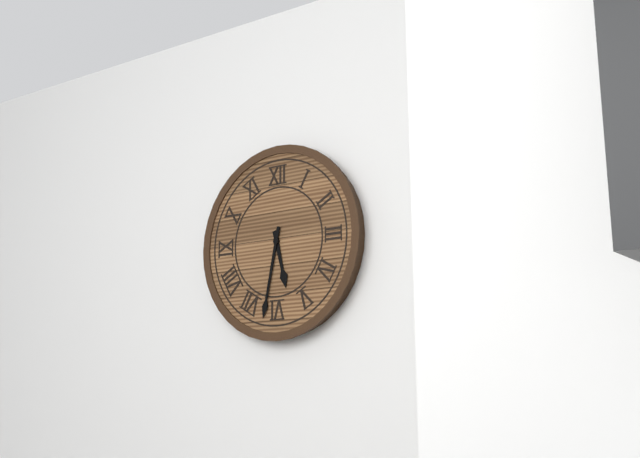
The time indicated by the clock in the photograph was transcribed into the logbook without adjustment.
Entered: 5:32
